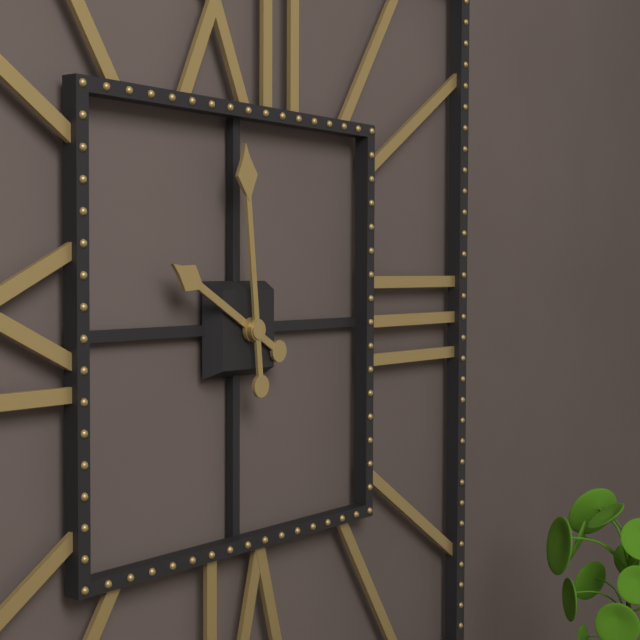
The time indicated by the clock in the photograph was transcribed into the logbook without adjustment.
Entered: 9:59
